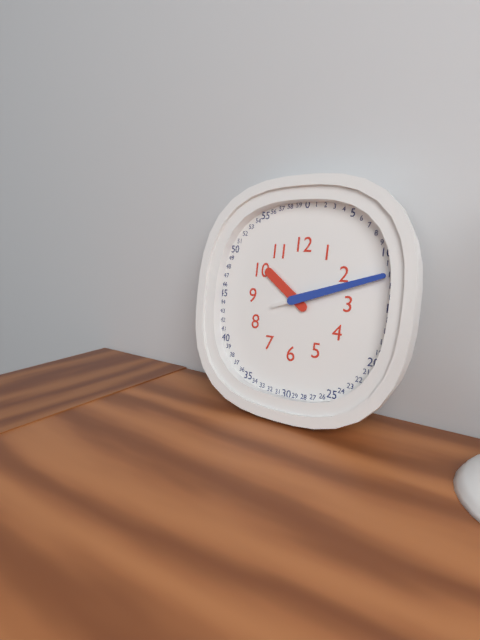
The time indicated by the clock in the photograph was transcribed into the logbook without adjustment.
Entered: 10:12:12
